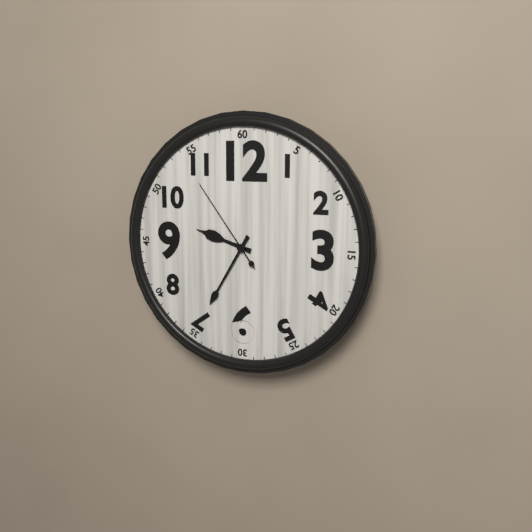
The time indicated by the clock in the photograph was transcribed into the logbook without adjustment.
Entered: 9:35:54
